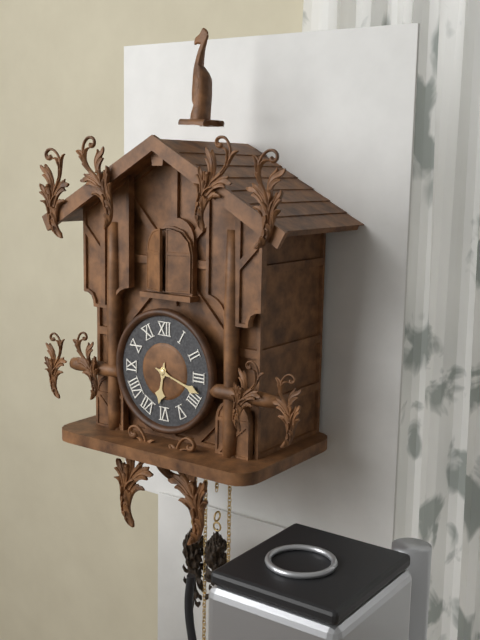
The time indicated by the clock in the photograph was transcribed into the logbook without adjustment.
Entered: 6:18
